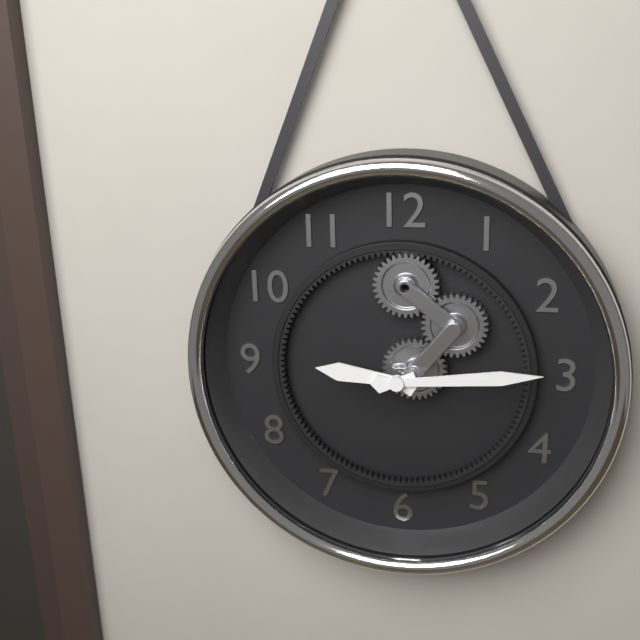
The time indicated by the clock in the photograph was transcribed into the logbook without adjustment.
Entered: 9:14
